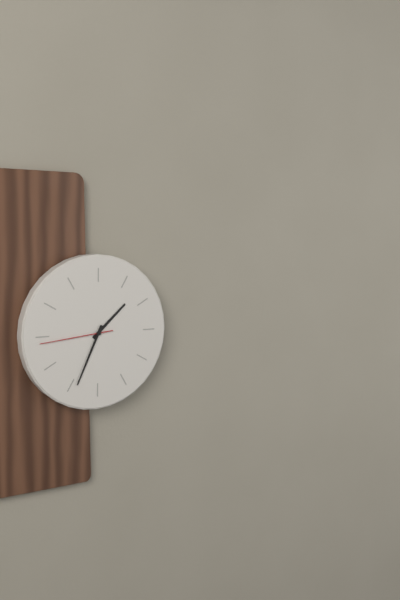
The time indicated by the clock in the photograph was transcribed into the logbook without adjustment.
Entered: 1:34:44
